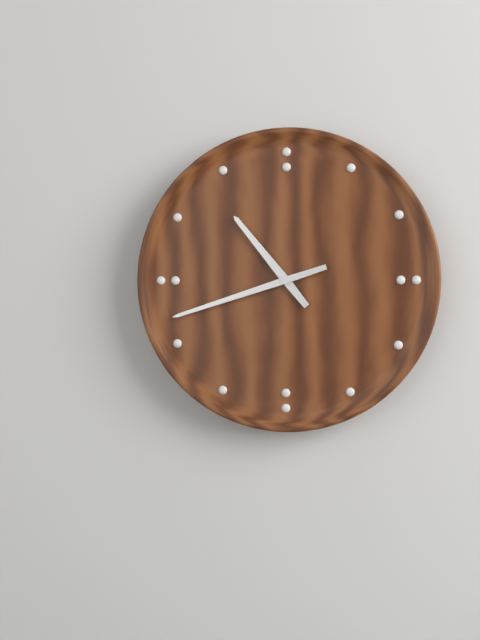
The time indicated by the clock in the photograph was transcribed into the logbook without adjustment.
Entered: 10:42
